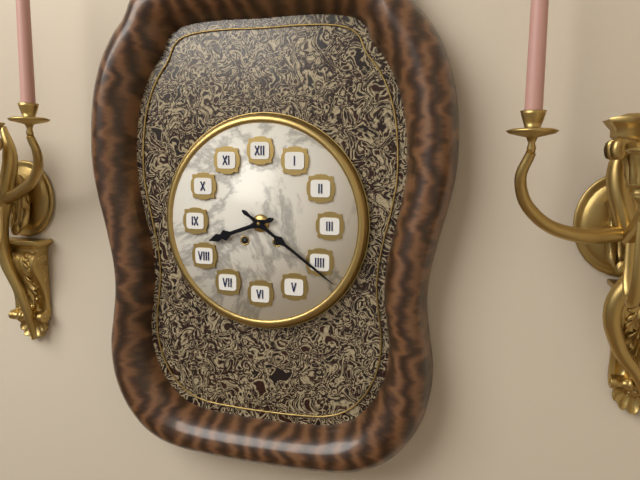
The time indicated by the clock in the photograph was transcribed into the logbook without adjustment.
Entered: 8:21
